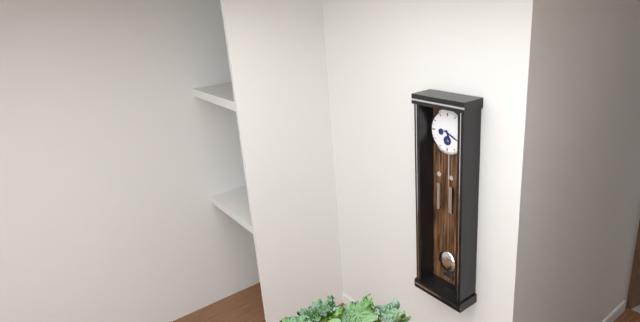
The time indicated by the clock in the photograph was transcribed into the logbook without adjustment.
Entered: 5:19
